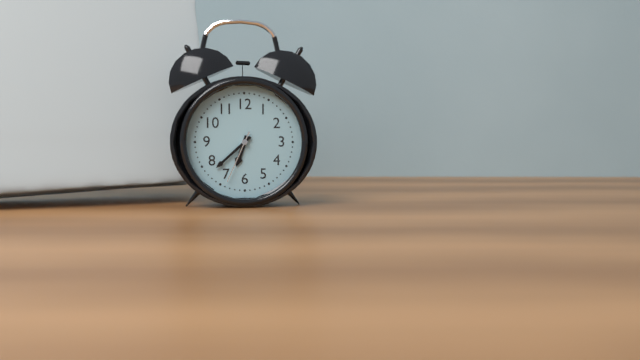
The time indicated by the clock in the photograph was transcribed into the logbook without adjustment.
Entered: 6:38:34
